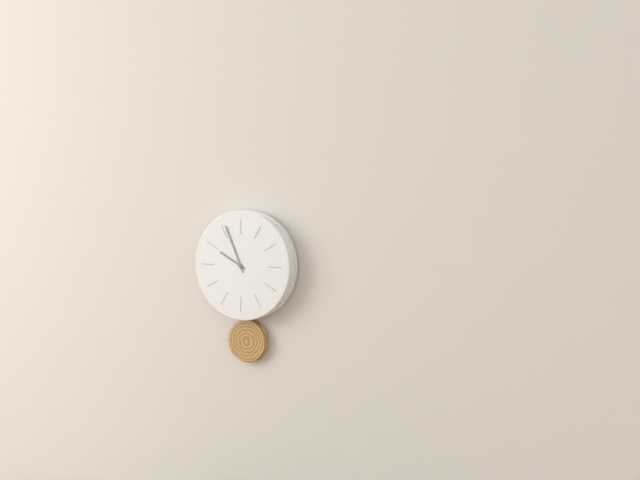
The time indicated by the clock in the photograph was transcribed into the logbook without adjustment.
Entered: 9:56
